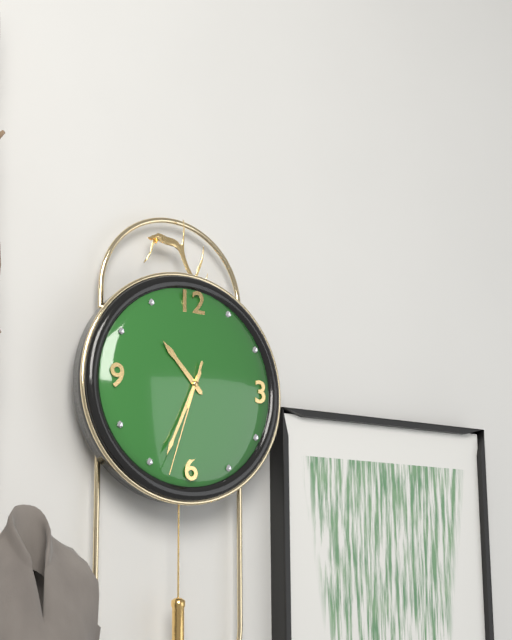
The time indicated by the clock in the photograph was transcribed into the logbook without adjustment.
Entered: 10:34:33
